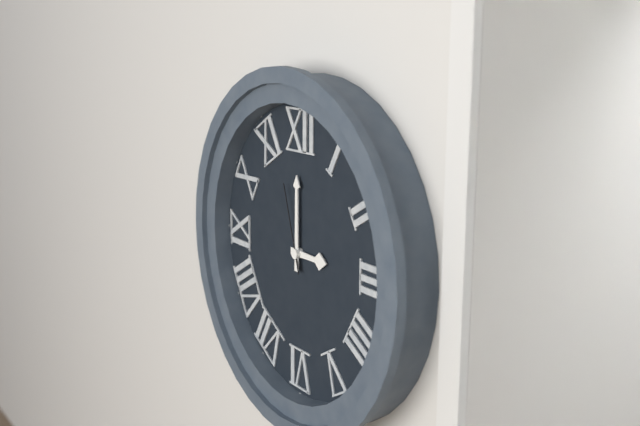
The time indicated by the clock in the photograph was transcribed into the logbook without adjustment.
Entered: 3:00:57
